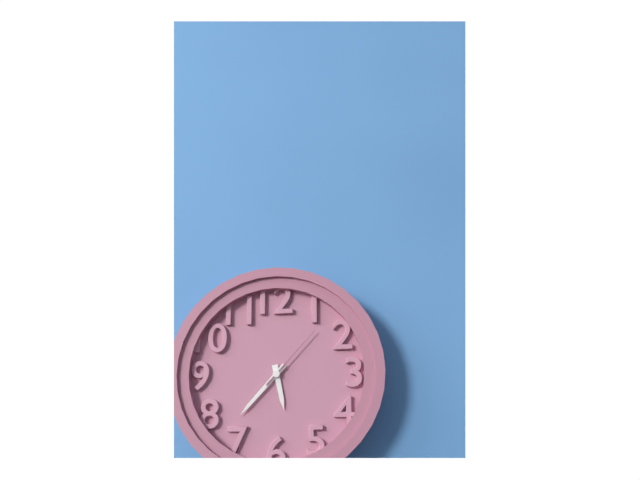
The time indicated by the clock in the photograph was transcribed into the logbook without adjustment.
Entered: 5:37:07
